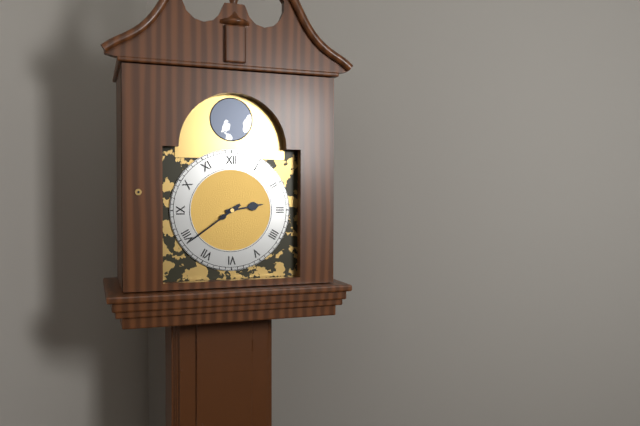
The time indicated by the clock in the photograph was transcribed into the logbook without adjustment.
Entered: 2:39
